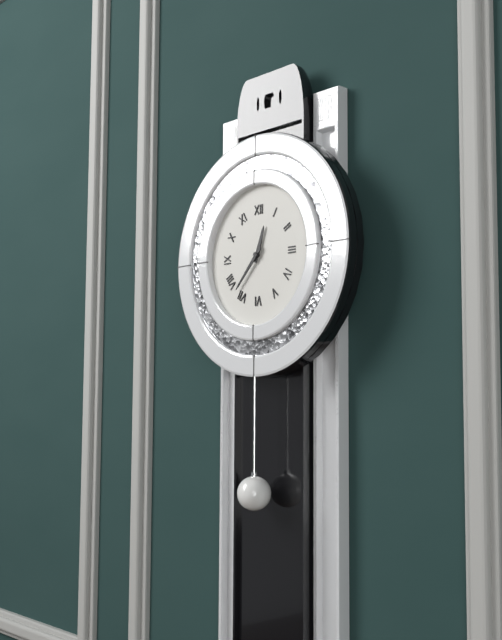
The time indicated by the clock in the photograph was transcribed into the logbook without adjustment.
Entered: 12:37
